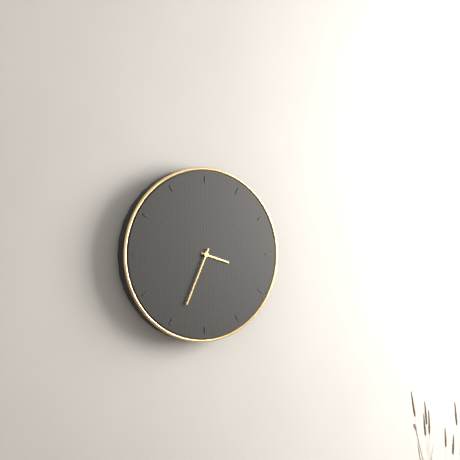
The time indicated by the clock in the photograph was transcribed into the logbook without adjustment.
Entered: 3:34
